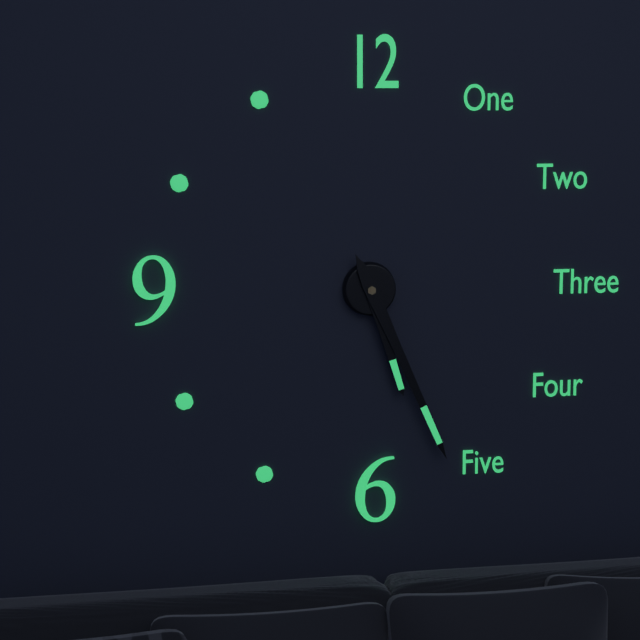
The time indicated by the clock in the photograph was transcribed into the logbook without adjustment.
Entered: 5:26
